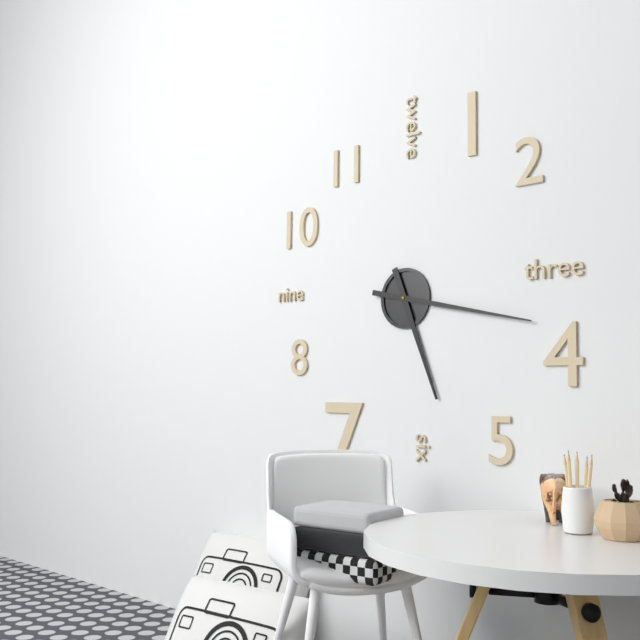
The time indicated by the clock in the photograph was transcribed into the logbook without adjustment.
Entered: 5:17
